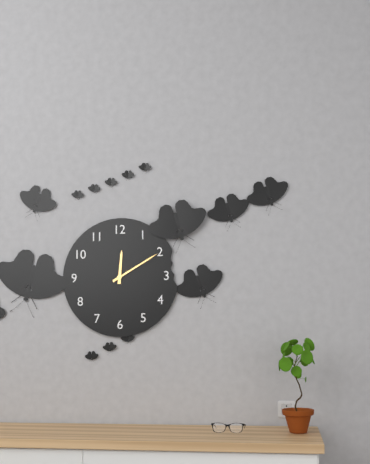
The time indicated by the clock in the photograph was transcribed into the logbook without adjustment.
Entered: 12:10
